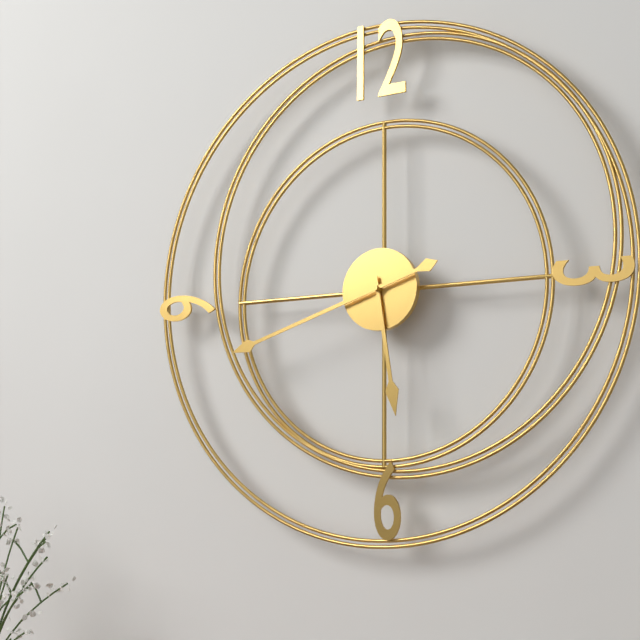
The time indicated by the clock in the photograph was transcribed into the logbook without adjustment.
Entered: 5:42
